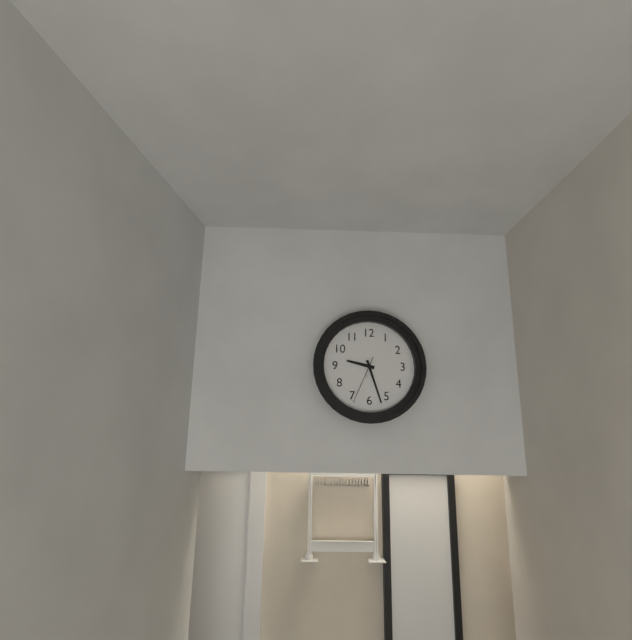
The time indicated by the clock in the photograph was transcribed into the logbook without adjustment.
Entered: 9:27
